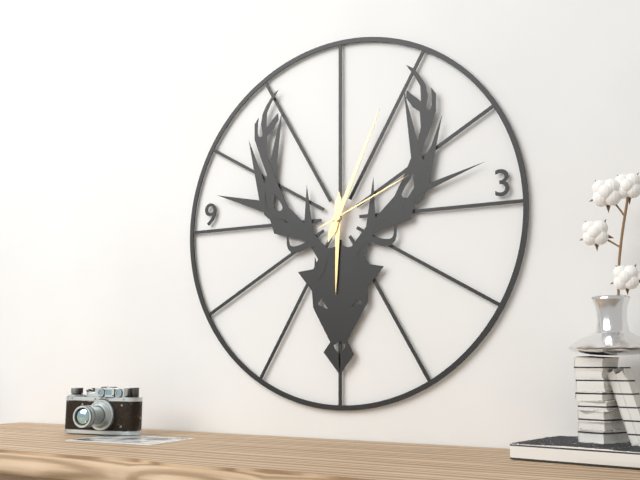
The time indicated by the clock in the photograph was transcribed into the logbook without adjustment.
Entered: 6:04:11
